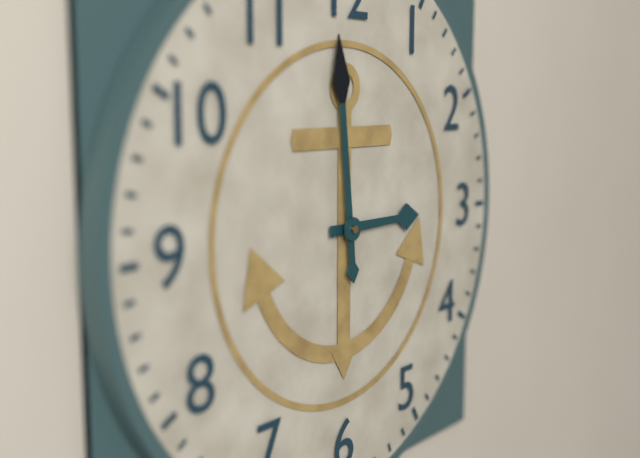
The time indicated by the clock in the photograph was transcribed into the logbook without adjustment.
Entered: 2:59
